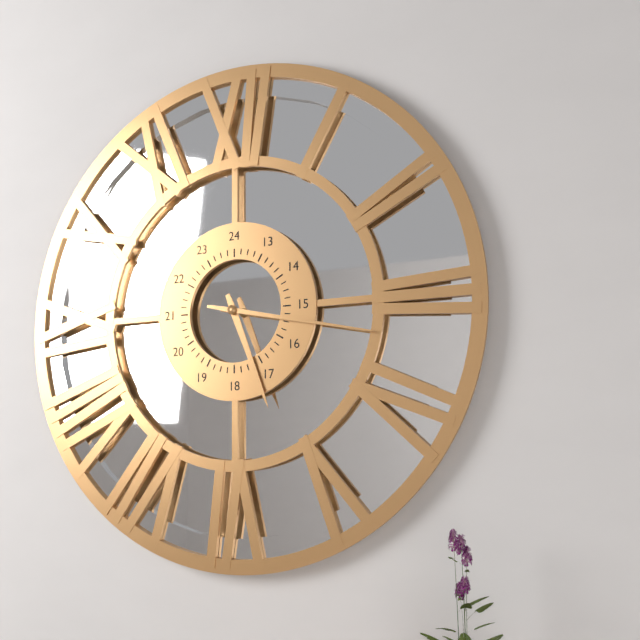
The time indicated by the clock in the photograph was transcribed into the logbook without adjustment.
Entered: 5:17
